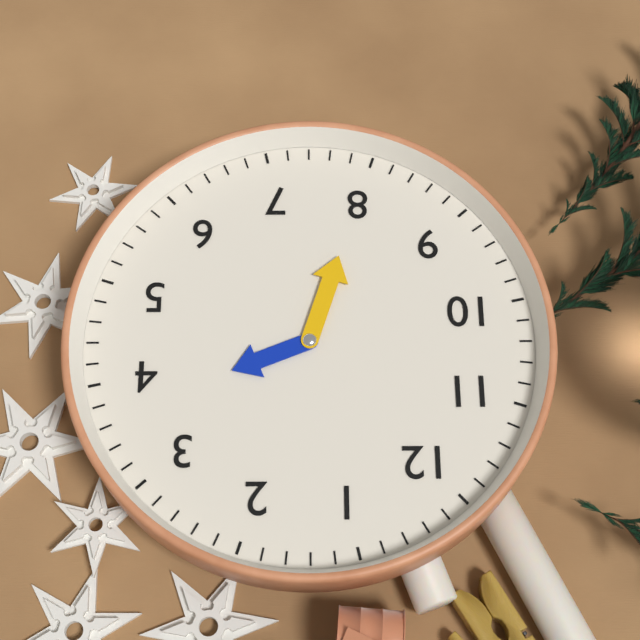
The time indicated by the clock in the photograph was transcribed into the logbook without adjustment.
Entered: 3:40
